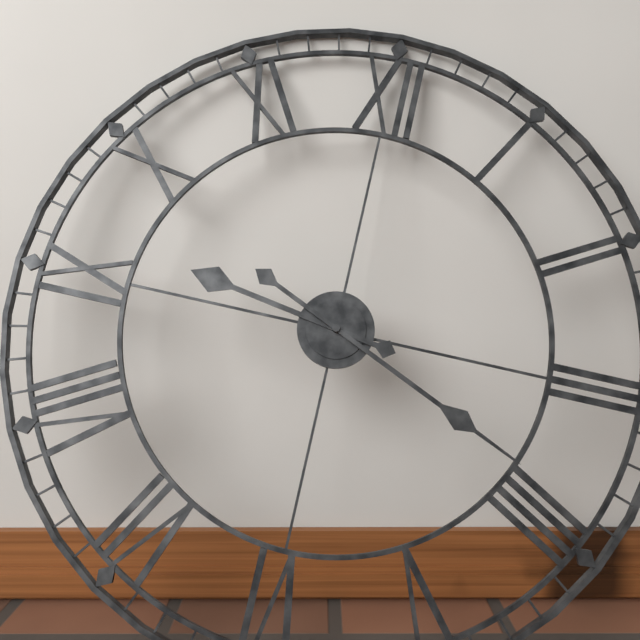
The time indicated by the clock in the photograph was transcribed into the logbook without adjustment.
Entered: 9:19
